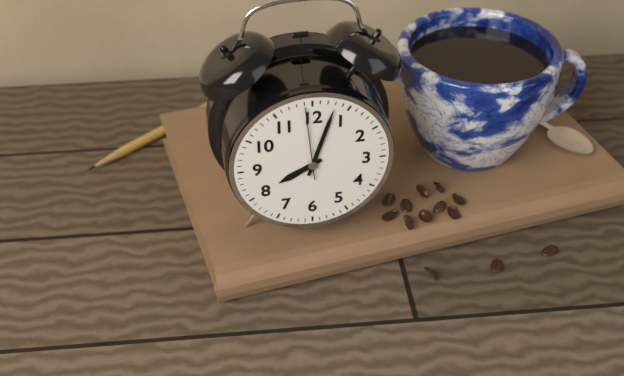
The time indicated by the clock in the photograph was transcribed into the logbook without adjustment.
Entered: 8:03:59
